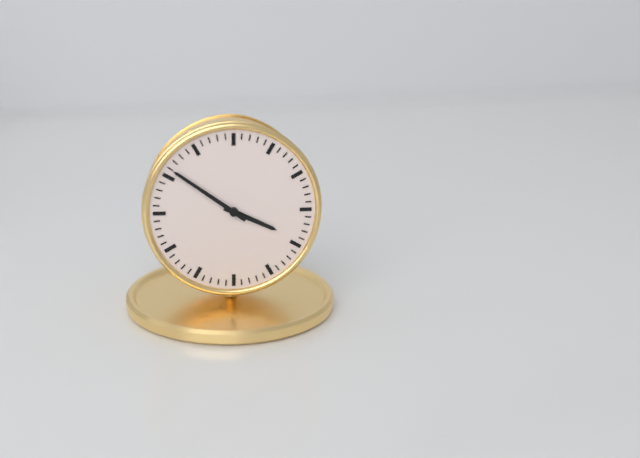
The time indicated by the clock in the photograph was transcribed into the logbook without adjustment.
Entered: 3:51
